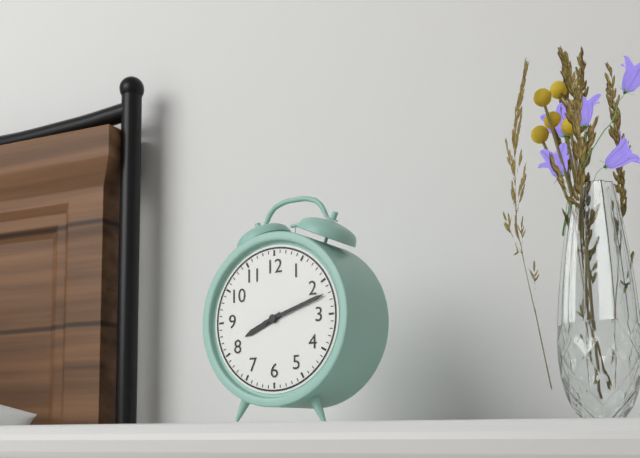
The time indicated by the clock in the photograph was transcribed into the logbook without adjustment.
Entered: 8:12
